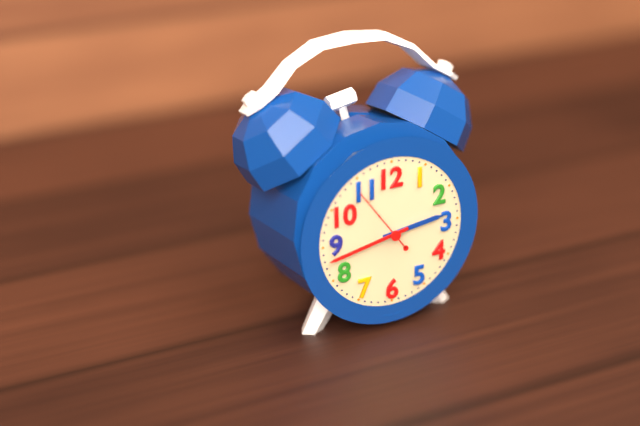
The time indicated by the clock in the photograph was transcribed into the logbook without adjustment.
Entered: 2:43:54
